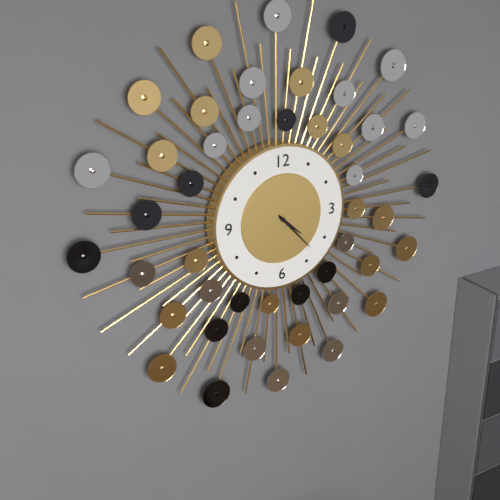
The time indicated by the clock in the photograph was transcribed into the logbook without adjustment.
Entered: 4:23
